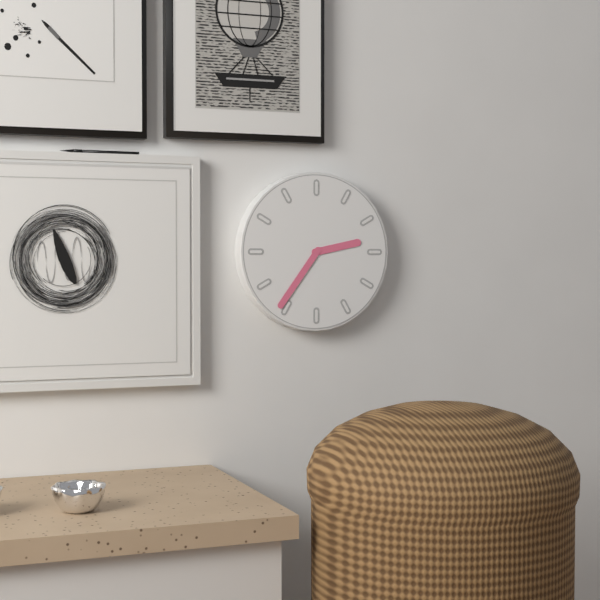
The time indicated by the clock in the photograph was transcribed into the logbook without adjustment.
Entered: 2:36
